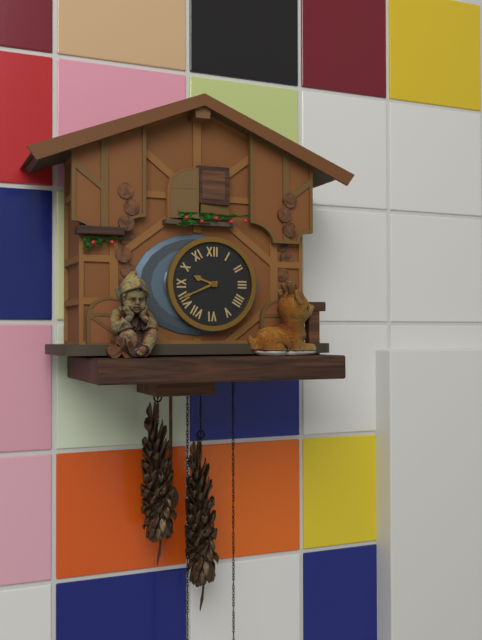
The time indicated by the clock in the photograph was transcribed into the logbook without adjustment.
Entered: 9:41
